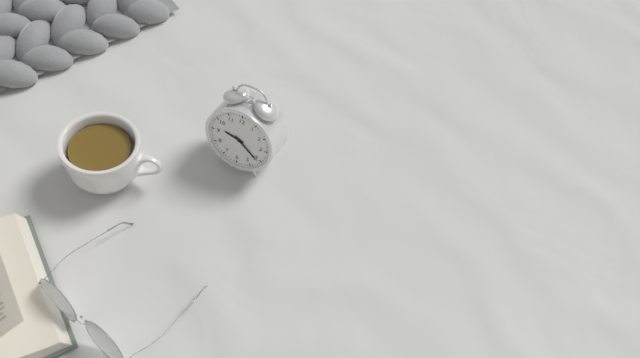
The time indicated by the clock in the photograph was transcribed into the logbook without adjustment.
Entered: 9:21
